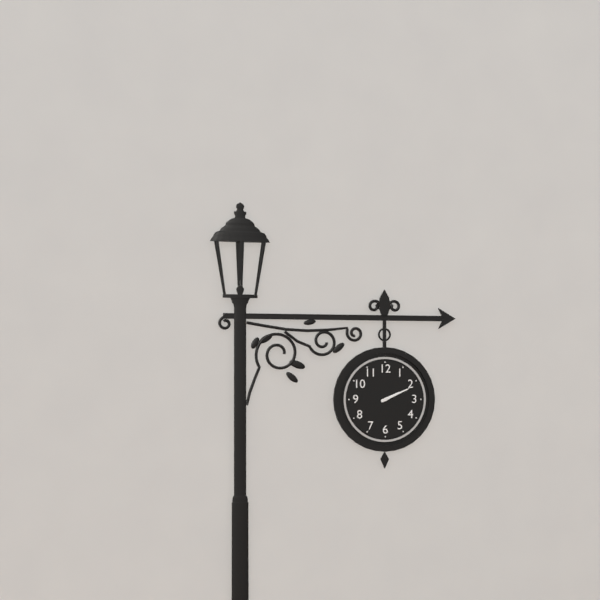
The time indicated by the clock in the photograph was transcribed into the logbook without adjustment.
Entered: 2:11
